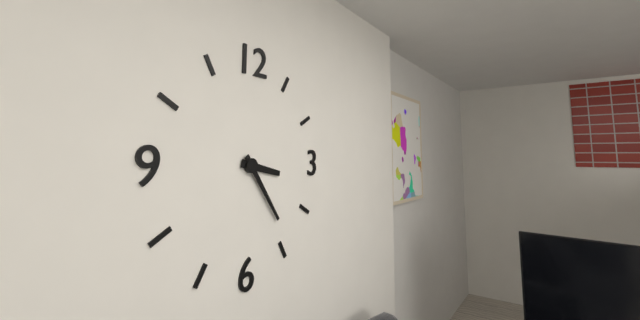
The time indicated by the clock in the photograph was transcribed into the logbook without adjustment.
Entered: 3:24
